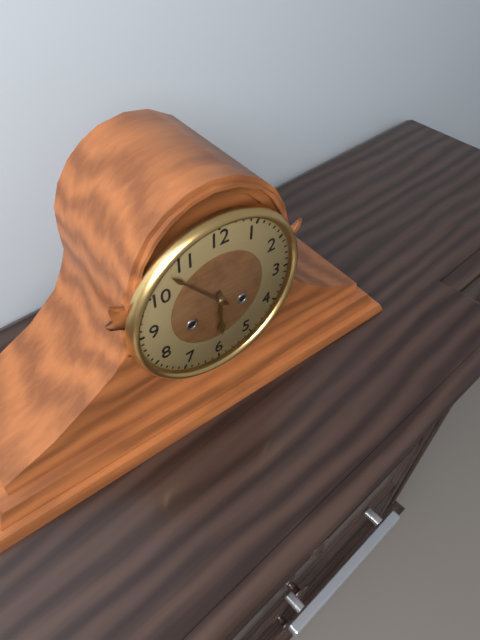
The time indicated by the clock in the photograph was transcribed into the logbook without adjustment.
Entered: 5:53
